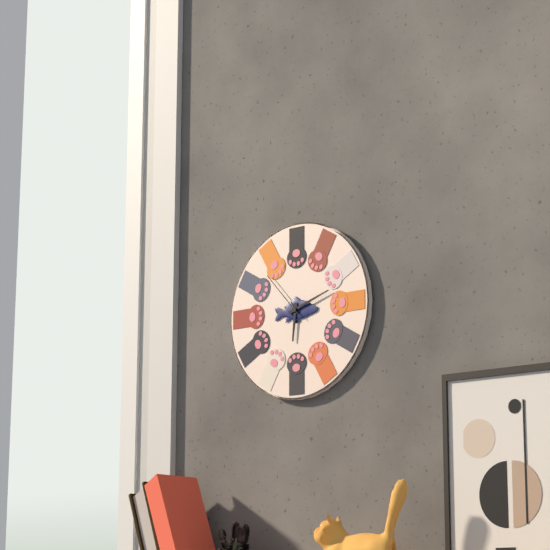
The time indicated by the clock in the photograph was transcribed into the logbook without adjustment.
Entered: 6:12:53
